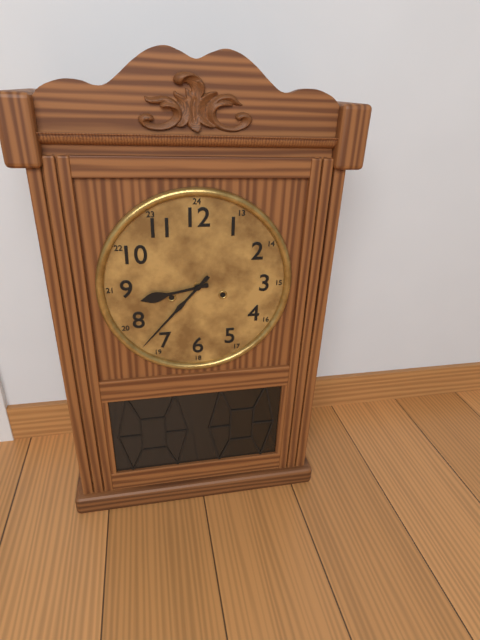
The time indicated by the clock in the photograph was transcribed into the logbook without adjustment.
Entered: 8:37
